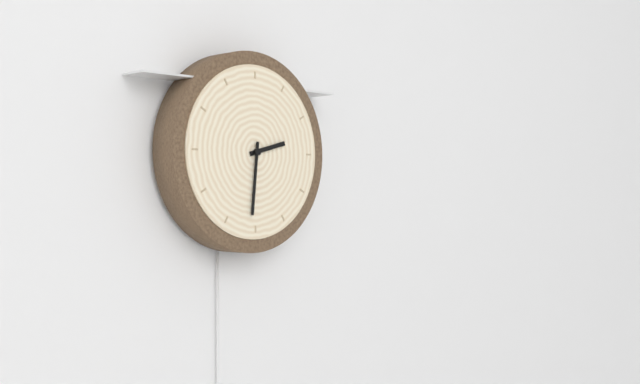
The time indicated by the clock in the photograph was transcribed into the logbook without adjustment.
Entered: 2:31
